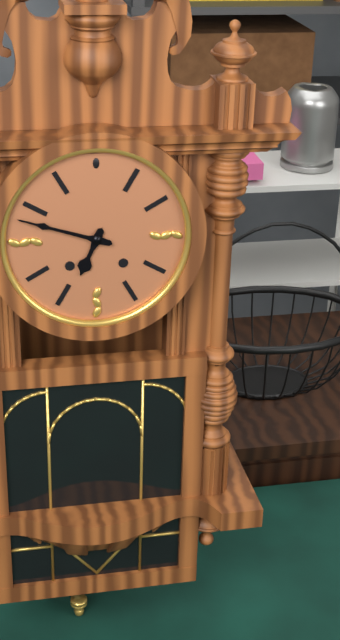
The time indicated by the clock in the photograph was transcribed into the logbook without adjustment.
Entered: 6:48
